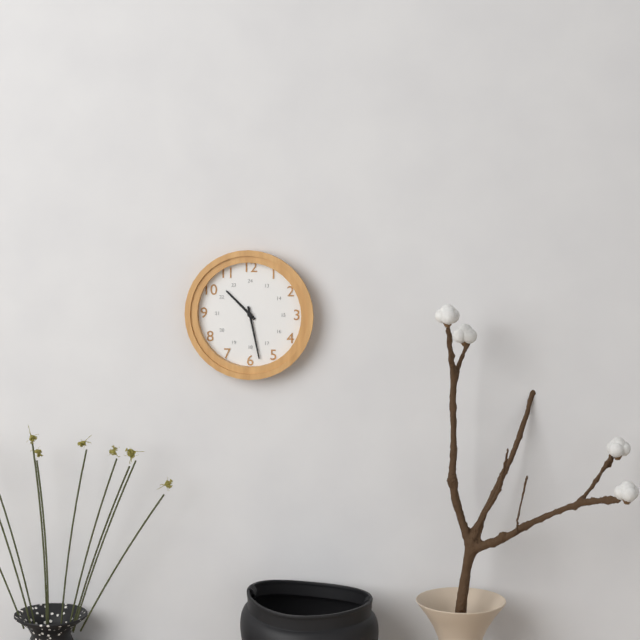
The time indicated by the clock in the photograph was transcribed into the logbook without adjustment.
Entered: 10:28
